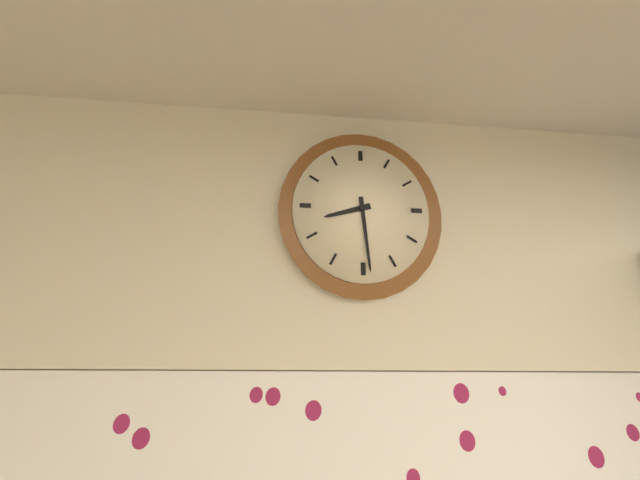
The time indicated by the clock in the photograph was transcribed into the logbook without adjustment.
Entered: 8:29
